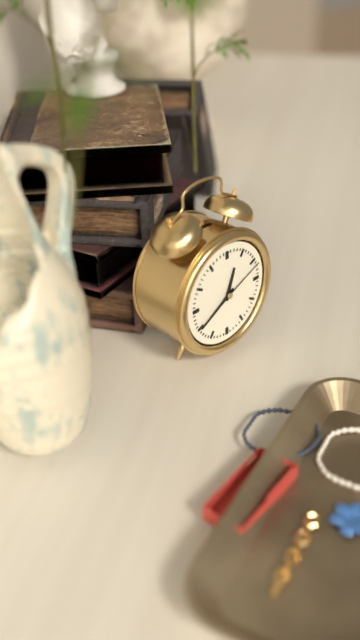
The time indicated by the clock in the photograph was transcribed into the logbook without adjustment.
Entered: 12:40:11
